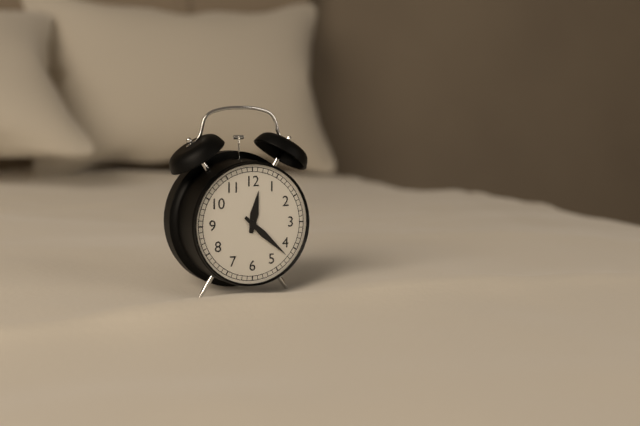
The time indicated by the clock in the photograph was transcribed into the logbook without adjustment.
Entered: 12:22
